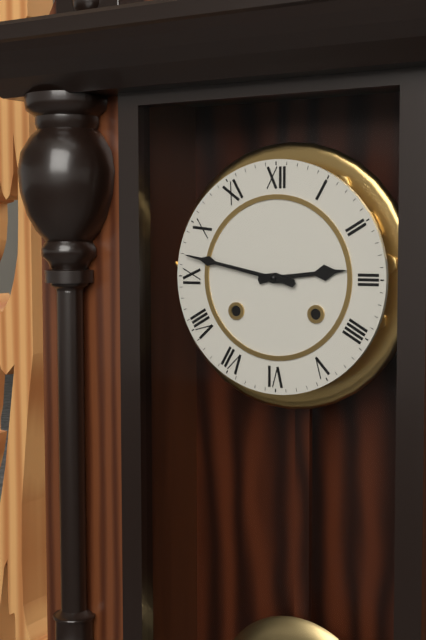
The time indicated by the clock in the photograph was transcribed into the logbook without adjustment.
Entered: 2:47
